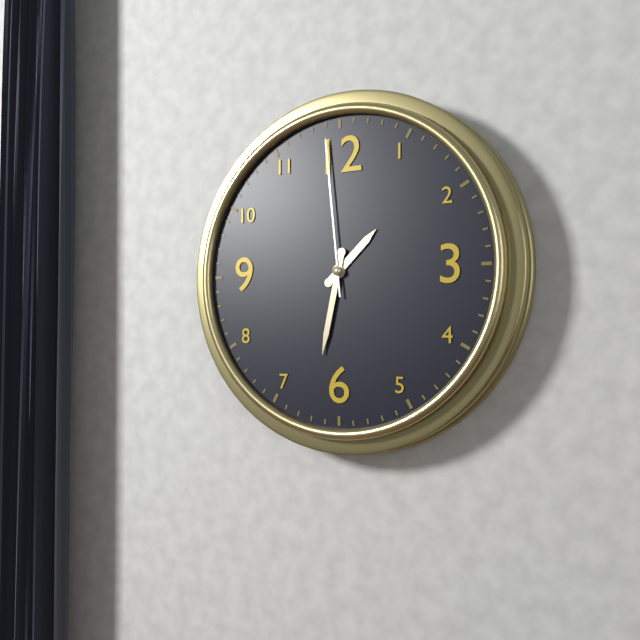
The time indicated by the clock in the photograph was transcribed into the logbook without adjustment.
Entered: 1:32:59
